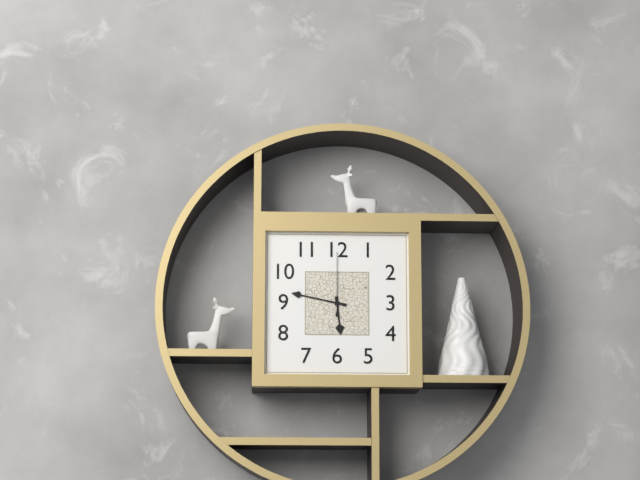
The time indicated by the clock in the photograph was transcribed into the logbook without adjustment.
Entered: 5:47:00
